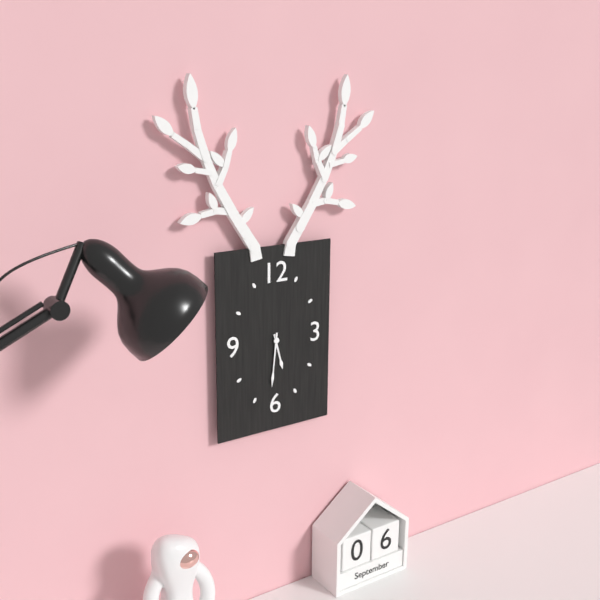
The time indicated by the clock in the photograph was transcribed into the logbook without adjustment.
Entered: 5:31
